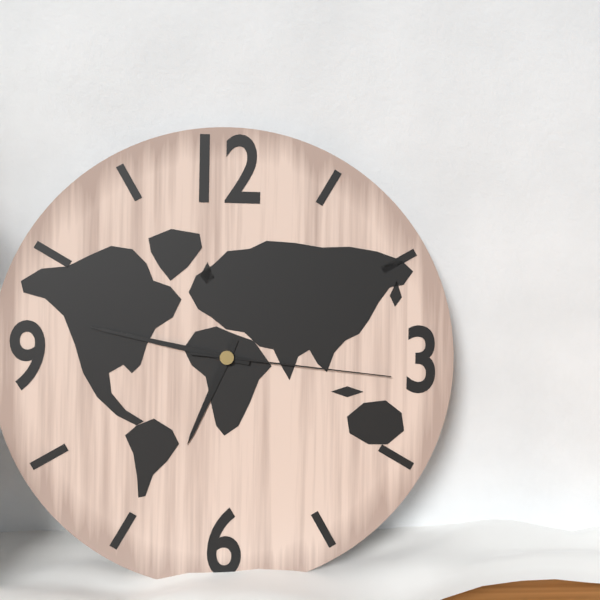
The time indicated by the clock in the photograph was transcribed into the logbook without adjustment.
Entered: 6:47:16
